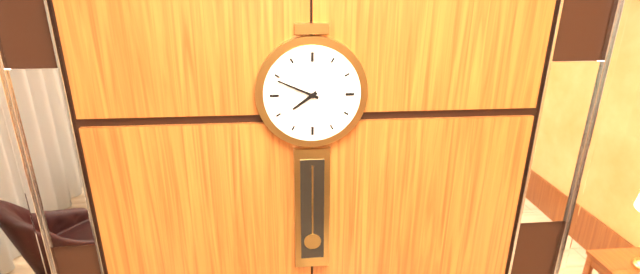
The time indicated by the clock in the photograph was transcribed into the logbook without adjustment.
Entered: 7:49
